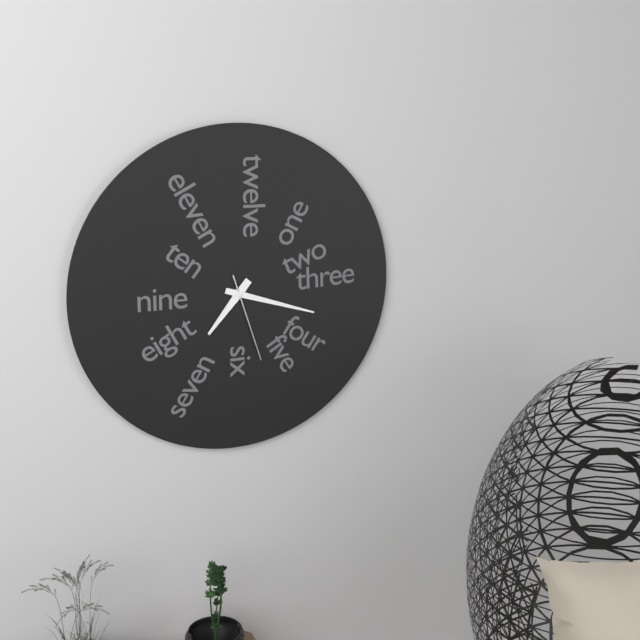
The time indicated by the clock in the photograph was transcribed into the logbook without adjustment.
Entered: 7:18:27
